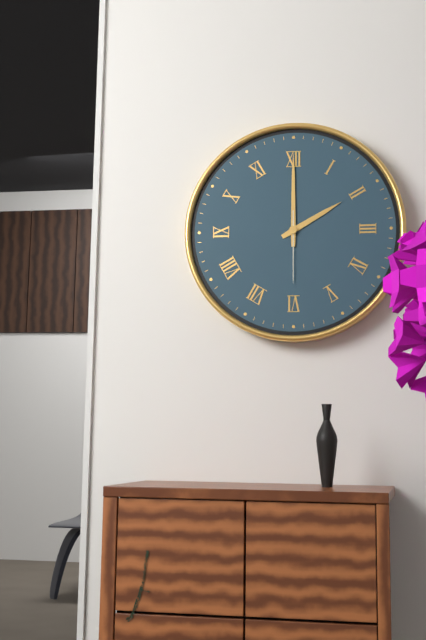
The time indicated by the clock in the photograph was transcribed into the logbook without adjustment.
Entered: 2:00:30
